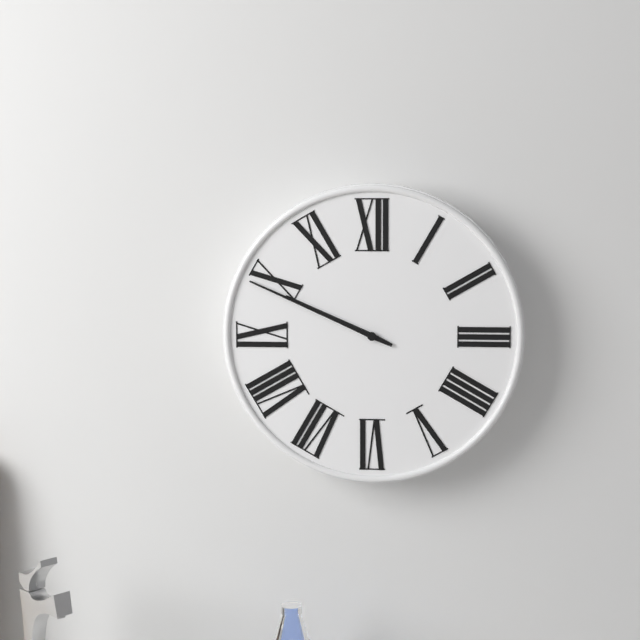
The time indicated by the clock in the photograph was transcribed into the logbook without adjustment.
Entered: 9:49
